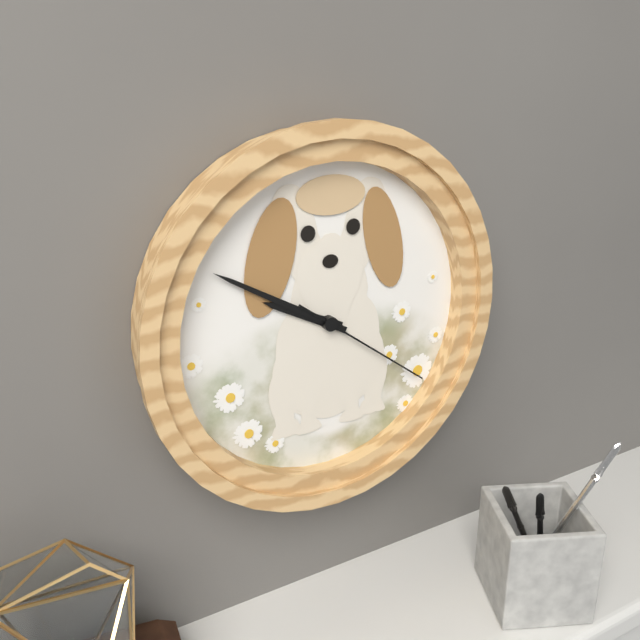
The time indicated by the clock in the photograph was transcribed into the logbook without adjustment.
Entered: 9:50:21
